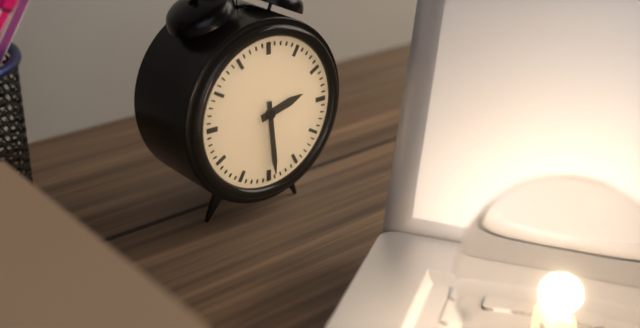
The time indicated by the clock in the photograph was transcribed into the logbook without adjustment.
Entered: 2:29
